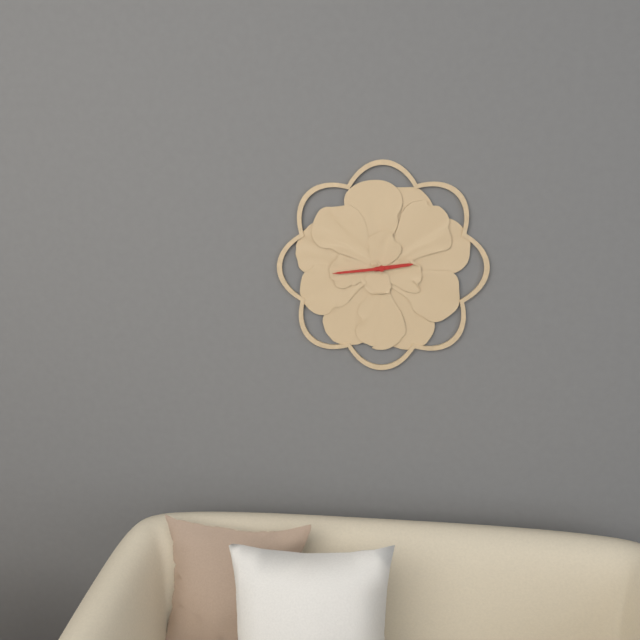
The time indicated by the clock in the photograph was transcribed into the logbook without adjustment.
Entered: 2:44
